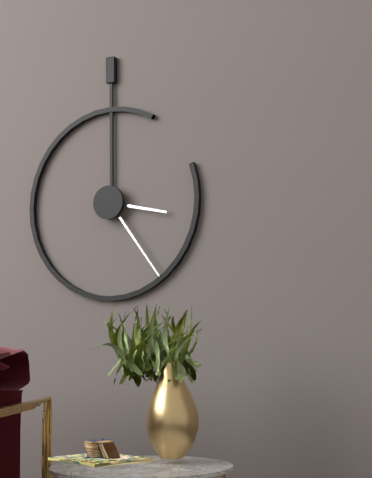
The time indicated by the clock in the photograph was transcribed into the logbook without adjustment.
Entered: 3:24
